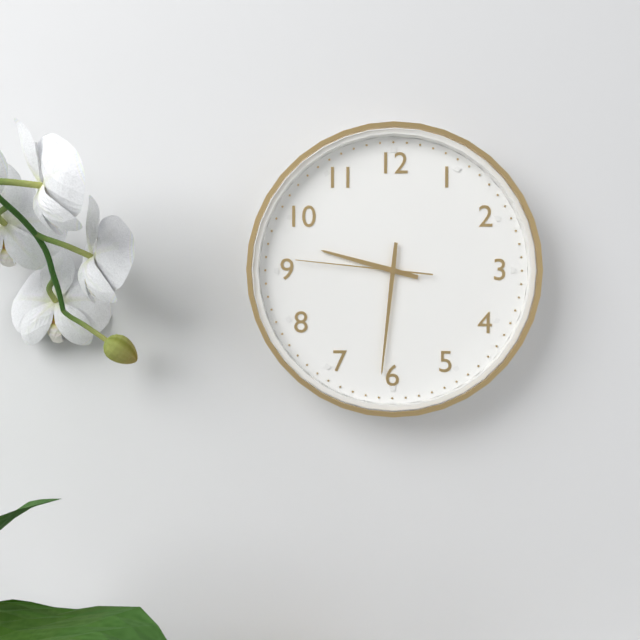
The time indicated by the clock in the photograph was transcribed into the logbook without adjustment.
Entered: 9:31:46
